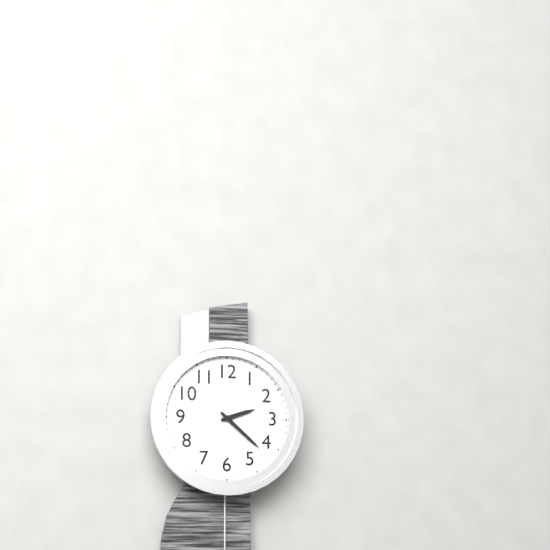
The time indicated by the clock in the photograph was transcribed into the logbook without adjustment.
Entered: 2:22
